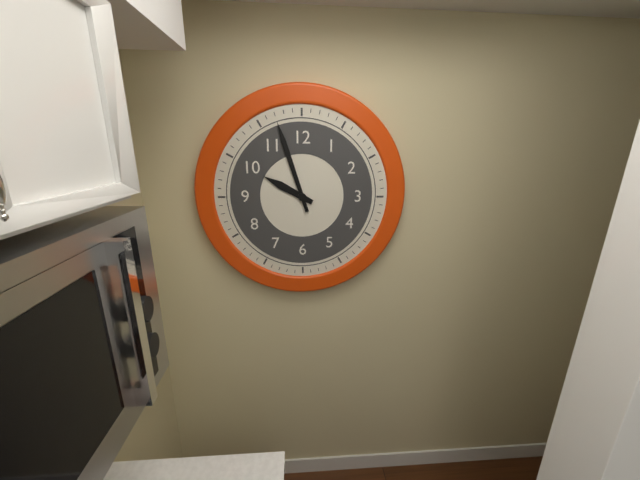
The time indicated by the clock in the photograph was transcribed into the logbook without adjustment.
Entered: 9:57
